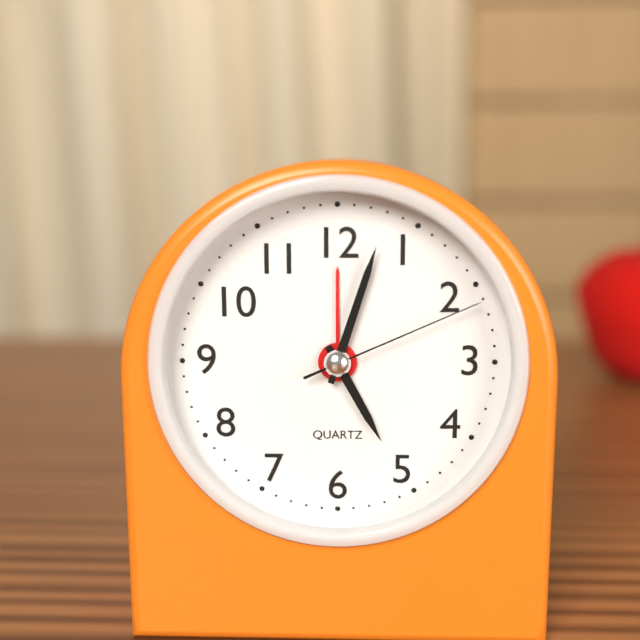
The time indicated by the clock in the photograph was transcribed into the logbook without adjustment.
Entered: 5:03:11
